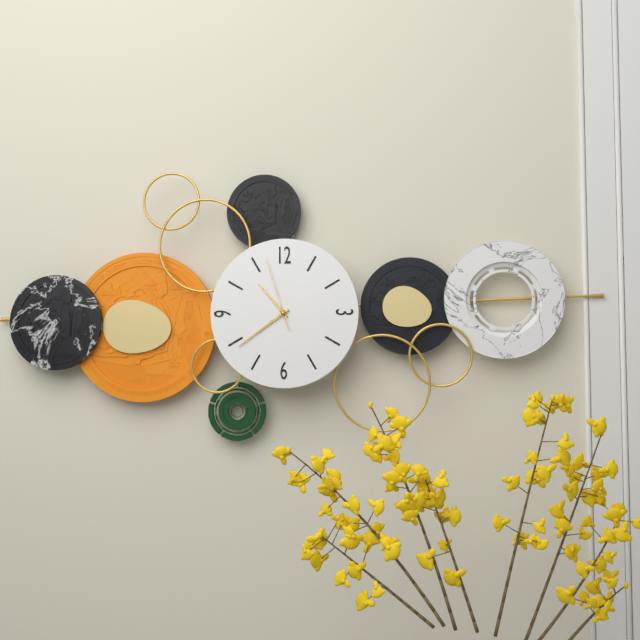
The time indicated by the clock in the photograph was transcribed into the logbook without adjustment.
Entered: 10:39:57
